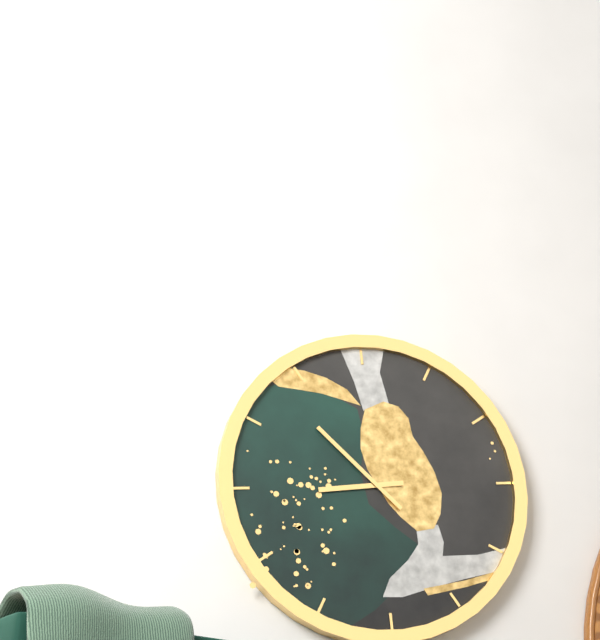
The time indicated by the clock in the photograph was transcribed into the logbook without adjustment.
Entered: 8:53
